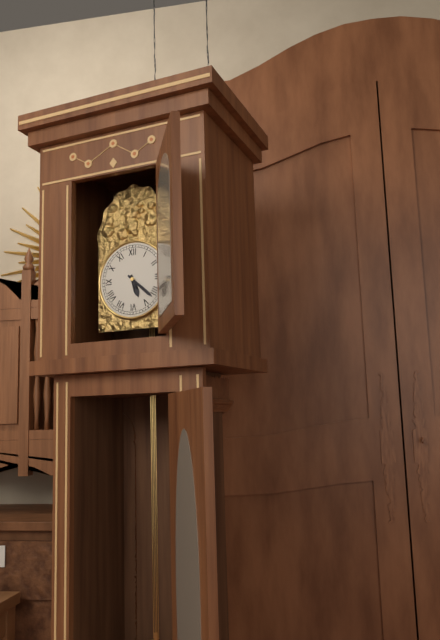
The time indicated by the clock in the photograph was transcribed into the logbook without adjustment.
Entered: 5:22
